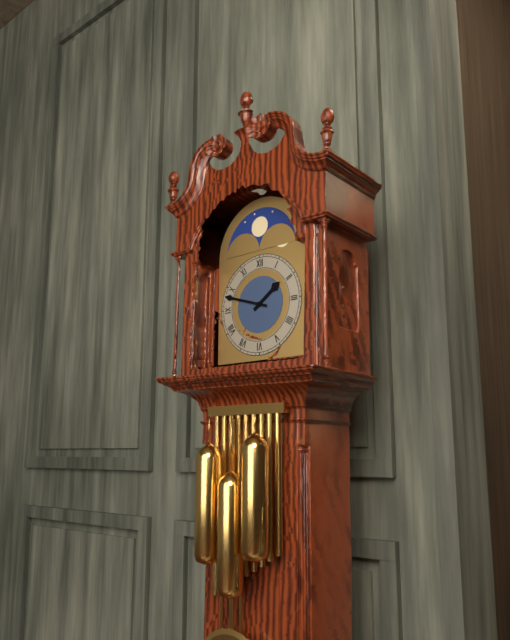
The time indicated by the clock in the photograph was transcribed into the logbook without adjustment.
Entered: 1:48
